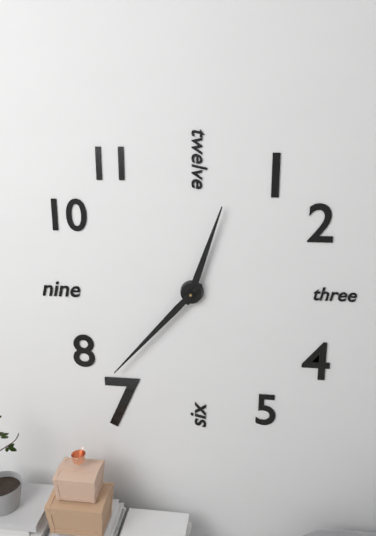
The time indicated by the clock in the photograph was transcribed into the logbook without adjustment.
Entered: 12:37
